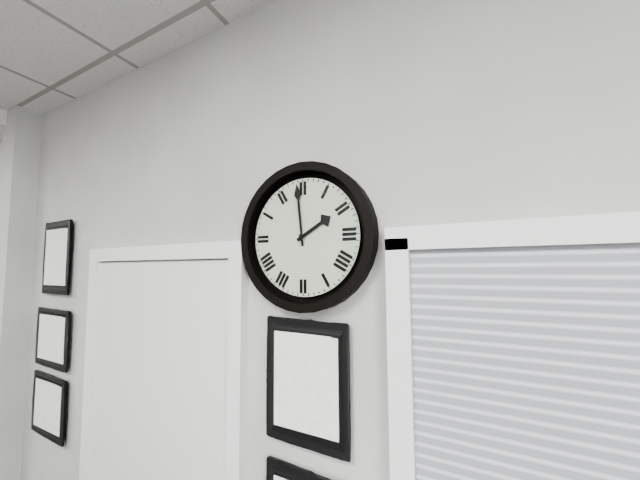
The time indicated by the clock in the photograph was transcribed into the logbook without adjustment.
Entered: 1:59
